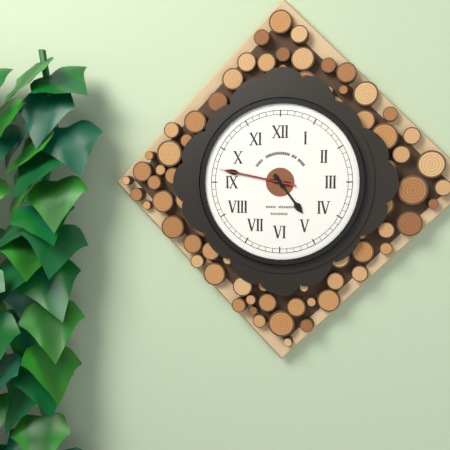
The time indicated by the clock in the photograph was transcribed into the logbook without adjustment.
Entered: 4:47:47
